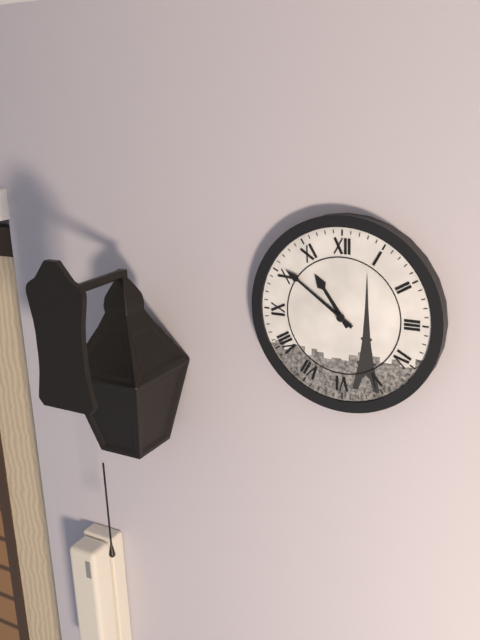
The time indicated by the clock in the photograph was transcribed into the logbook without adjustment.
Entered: 10:51
